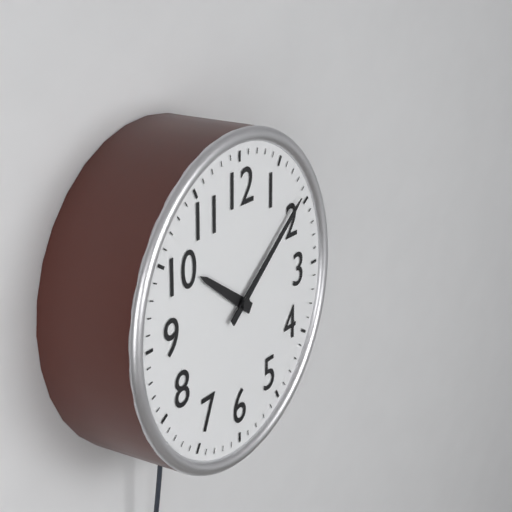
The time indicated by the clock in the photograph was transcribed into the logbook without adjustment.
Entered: 10:09
